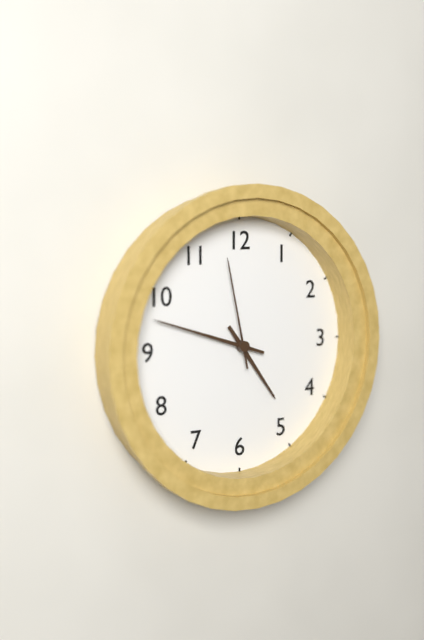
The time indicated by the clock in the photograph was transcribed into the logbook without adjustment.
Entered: 4:48:58
